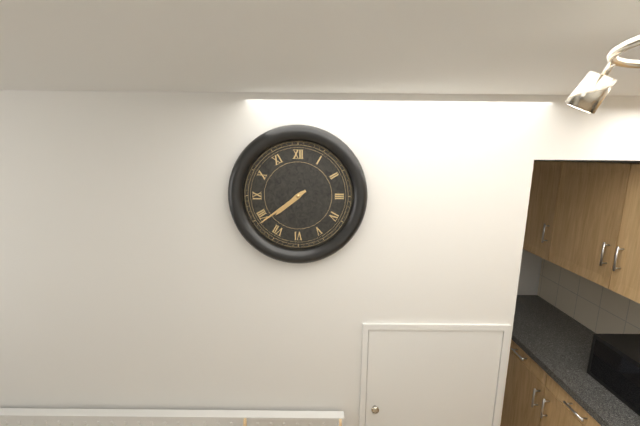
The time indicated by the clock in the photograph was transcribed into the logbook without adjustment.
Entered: 7:39
